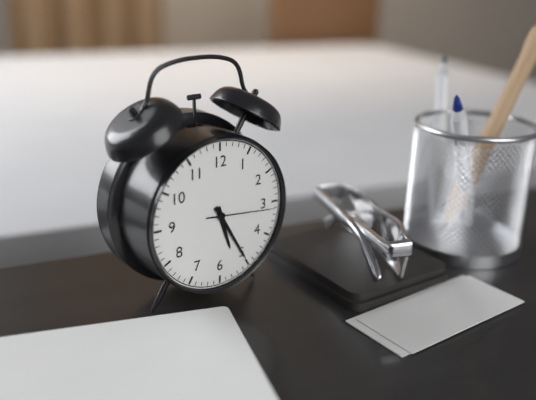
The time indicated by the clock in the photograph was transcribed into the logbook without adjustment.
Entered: 5:25:16
